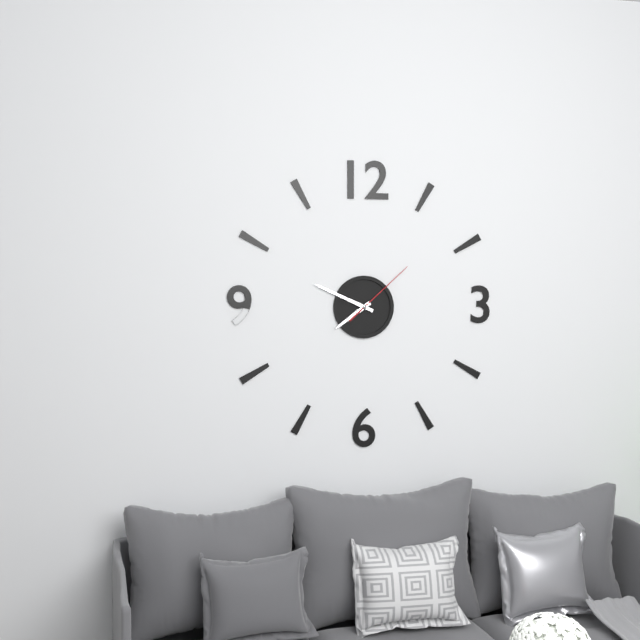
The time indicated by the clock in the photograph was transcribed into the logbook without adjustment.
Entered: 7:49:08
